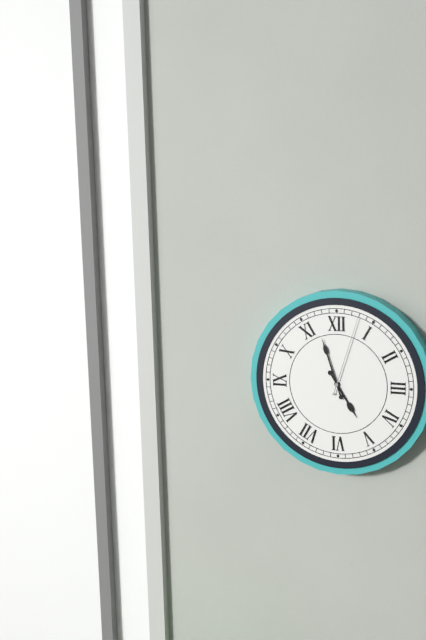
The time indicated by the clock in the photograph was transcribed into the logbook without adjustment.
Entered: 4:57:03
